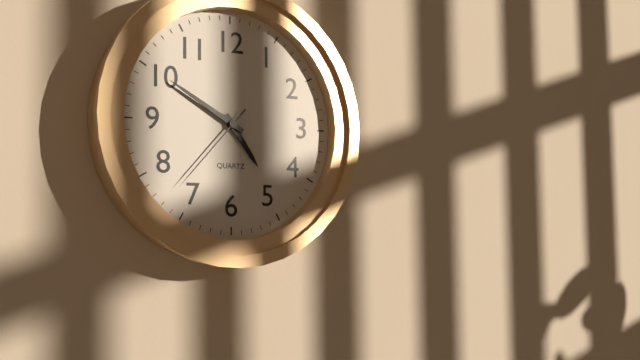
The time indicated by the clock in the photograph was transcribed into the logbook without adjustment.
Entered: 4:50:37
